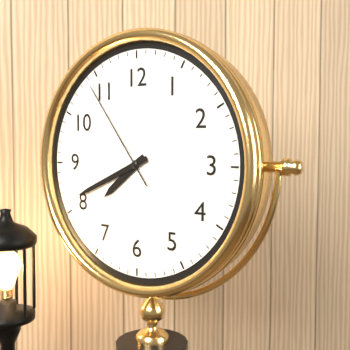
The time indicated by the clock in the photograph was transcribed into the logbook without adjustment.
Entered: 7:41:54
